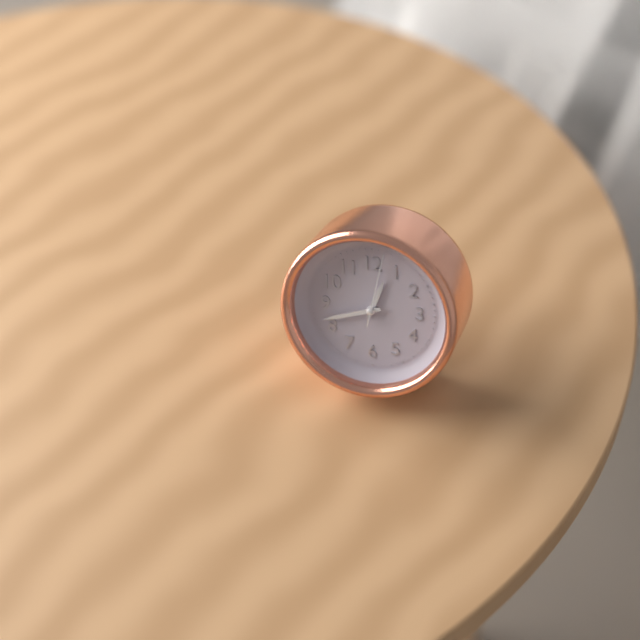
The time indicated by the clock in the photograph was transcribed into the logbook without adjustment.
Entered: 12:42:02
